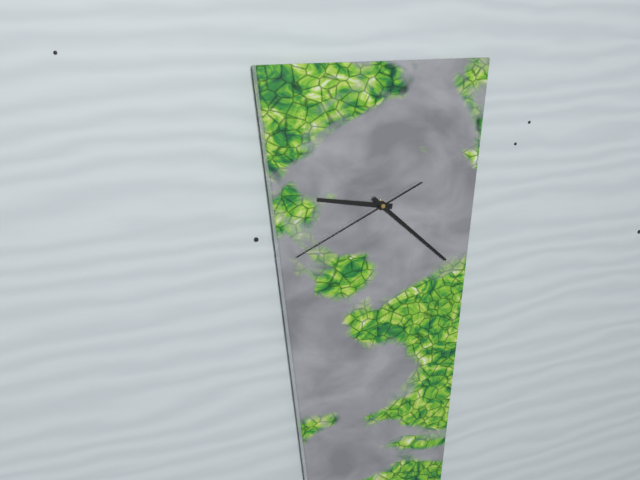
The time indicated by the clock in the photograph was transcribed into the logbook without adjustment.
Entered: 9:22:41
